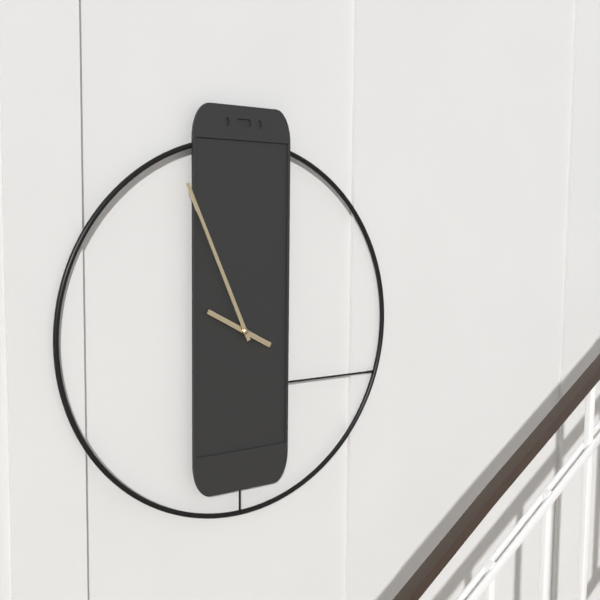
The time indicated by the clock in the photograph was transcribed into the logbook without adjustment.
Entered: 9:56
